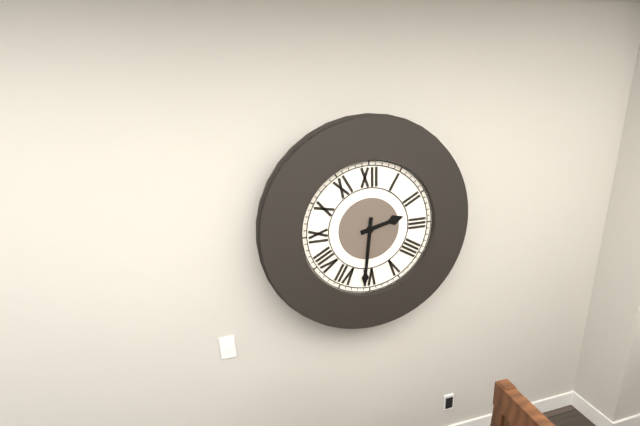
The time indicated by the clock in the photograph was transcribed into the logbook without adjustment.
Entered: 2:31
